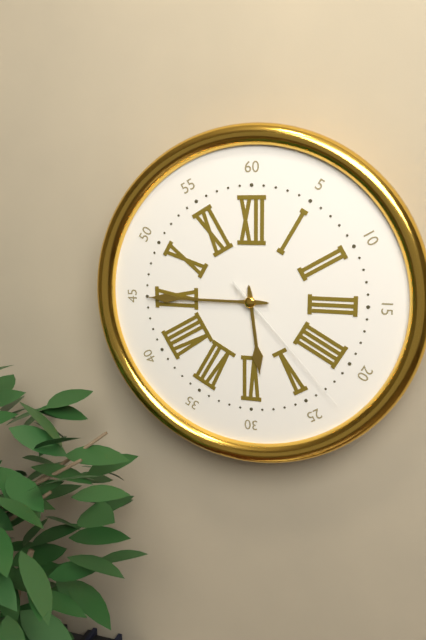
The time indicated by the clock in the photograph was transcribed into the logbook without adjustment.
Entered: 5:45:23
